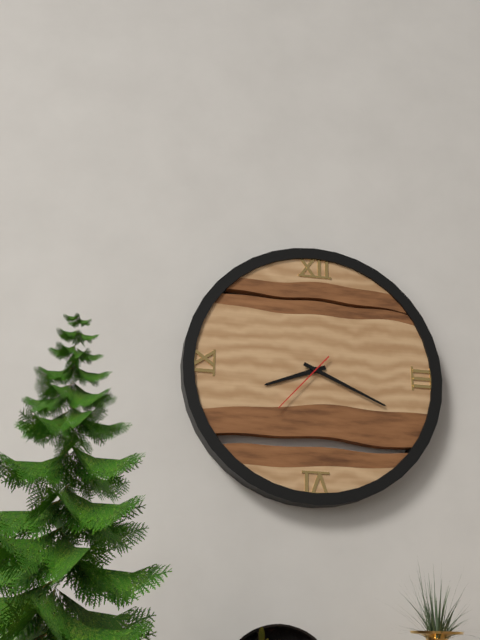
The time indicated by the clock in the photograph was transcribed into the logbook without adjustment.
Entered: 8:19:37
